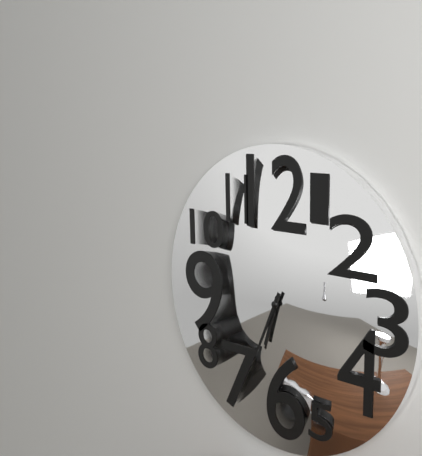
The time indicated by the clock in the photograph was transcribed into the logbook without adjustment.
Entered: 6:34
